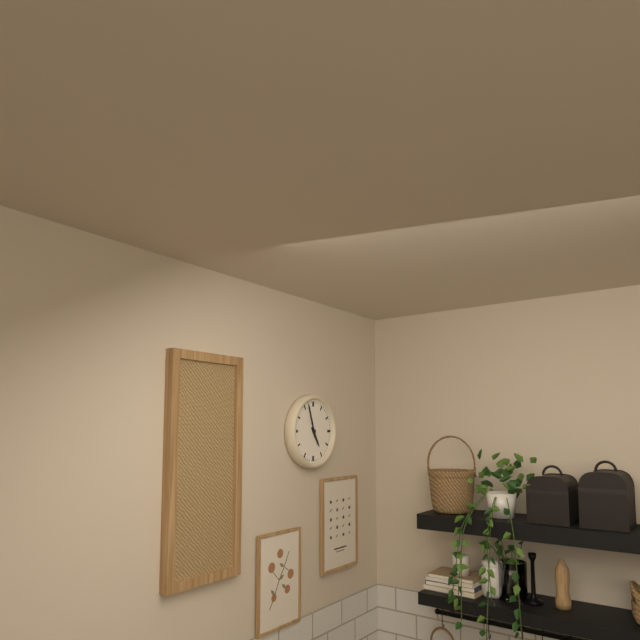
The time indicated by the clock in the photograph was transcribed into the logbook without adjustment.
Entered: 4:57
